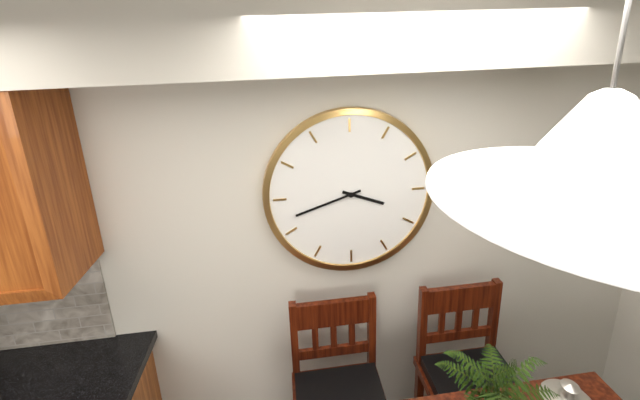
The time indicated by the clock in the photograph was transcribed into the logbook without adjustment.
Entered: 3:42
